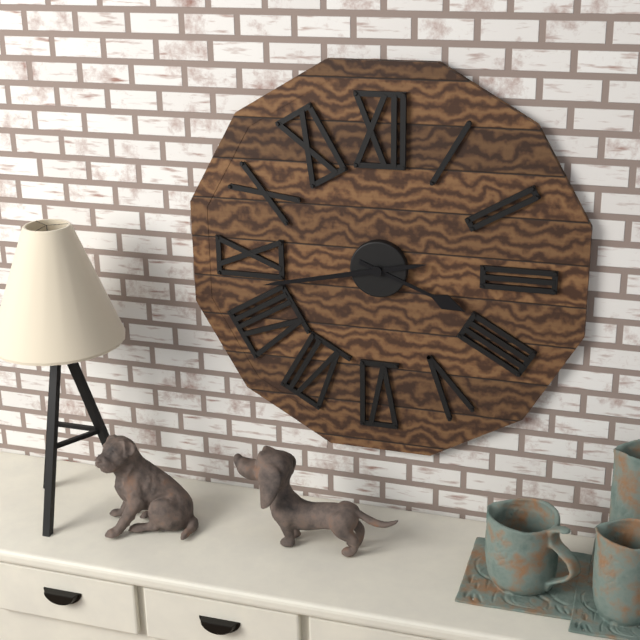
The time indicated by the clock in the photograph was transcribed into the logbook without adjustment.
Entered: 3:43
